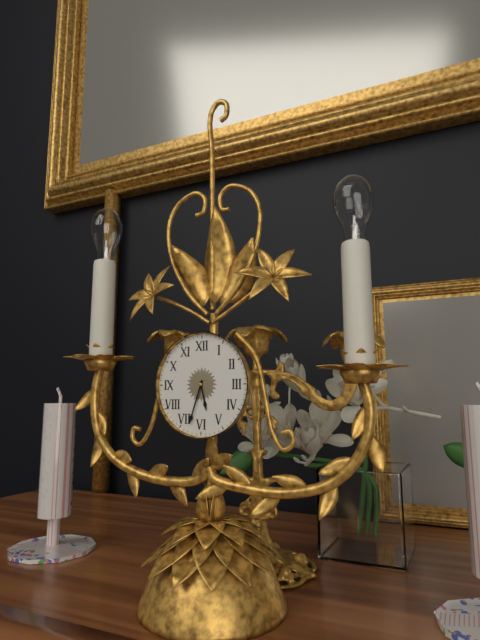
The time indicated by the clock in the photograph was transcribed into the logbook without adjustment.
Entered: 5:33
